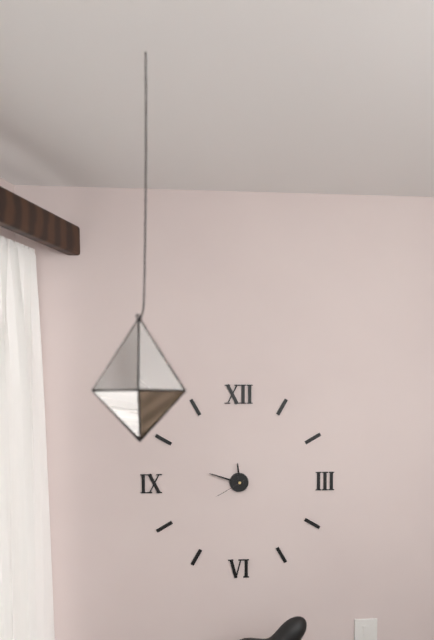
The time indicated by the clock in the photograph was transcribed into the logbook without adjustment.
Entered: 11:48
